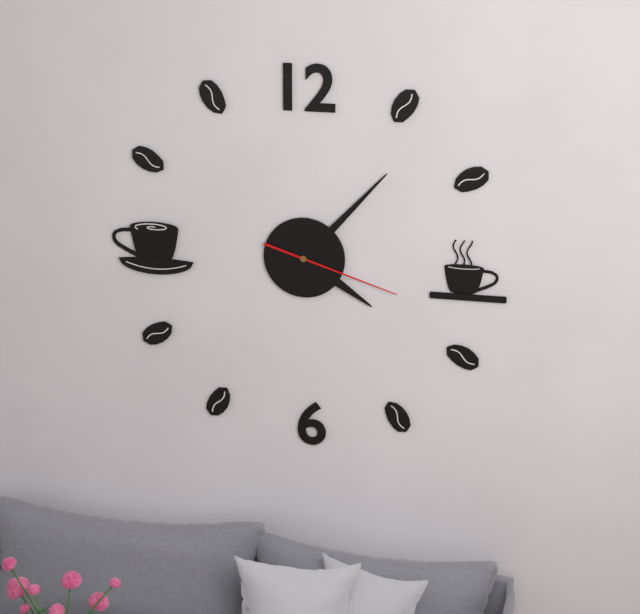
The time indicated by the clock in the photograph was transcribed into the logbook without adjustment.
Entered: 4:07:18
